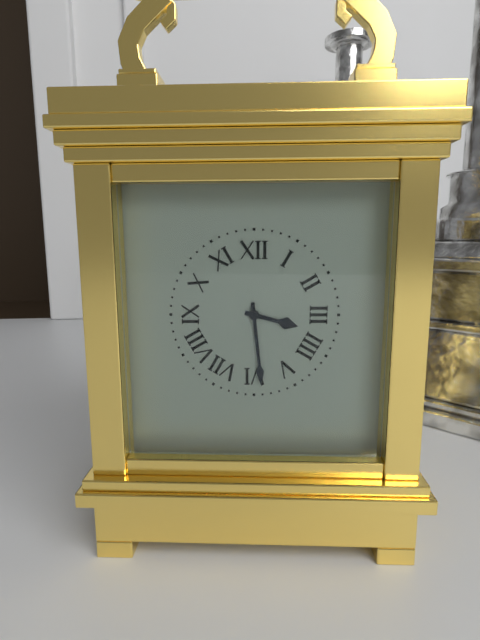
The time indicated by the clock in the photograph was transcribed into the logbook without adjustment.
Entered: 3:29
